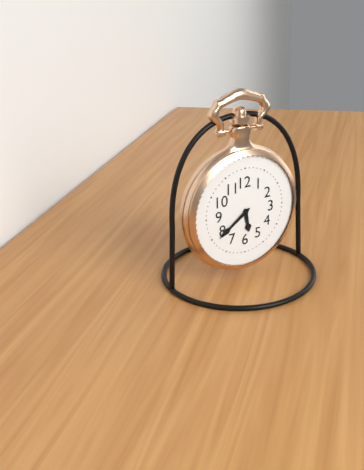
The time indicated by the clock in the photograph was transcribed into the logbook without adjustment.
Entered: 5:39
